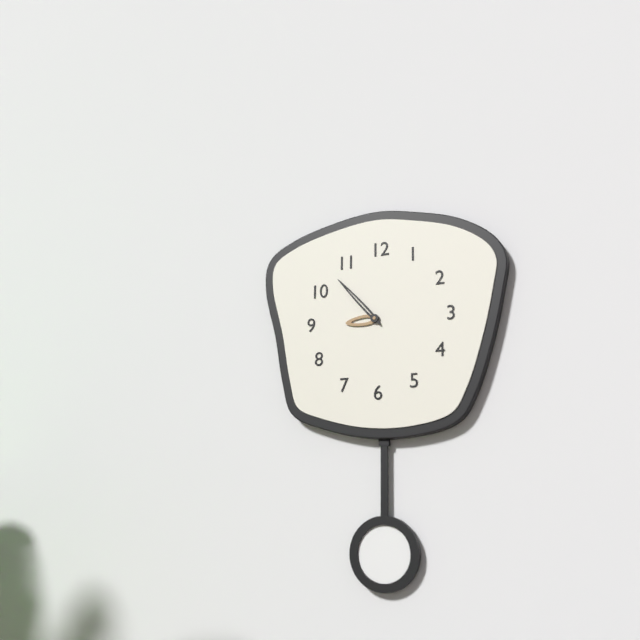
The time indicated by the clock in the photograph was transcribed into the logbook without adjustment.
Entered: 8:53
